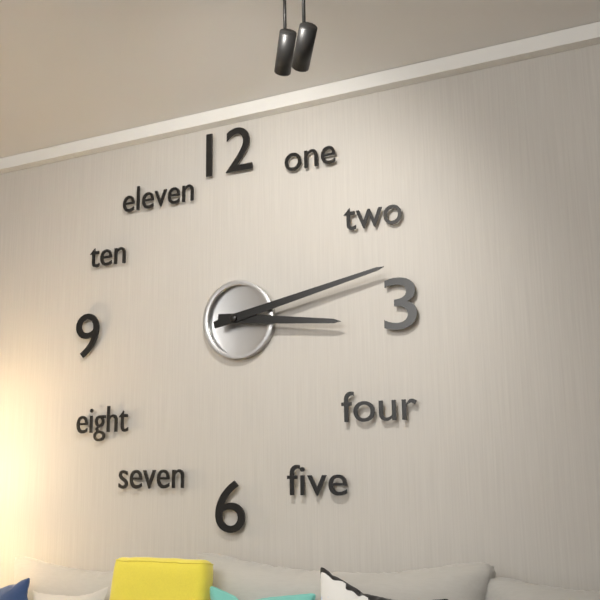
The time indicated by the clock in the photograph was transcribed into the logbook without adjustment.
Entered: 3:13
